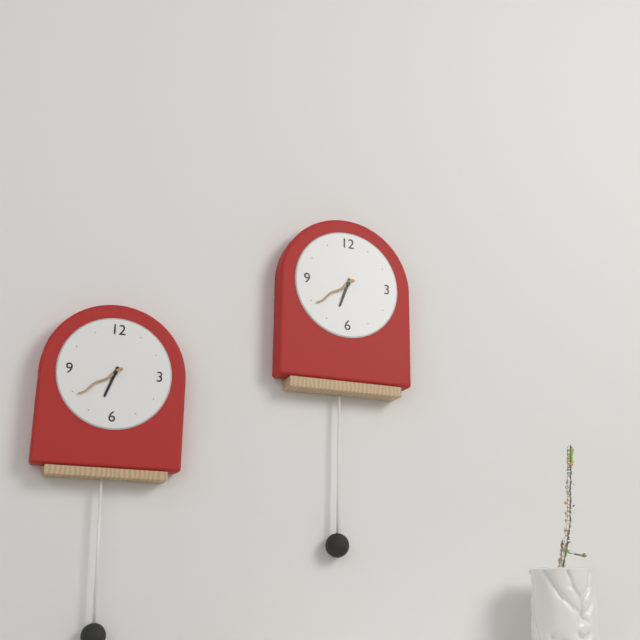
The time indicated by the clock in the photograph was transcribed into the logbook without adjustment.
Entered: 6:39
